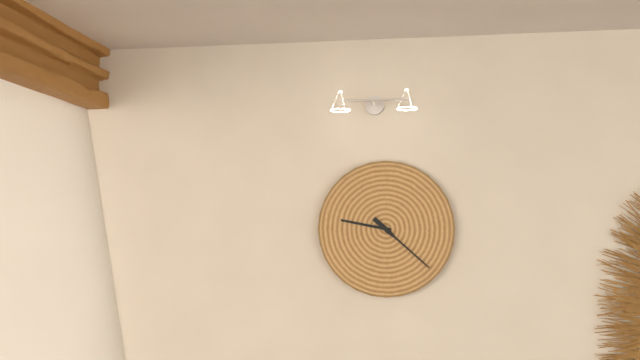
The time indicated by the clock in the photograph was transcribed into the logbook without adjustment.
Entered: 9:22
